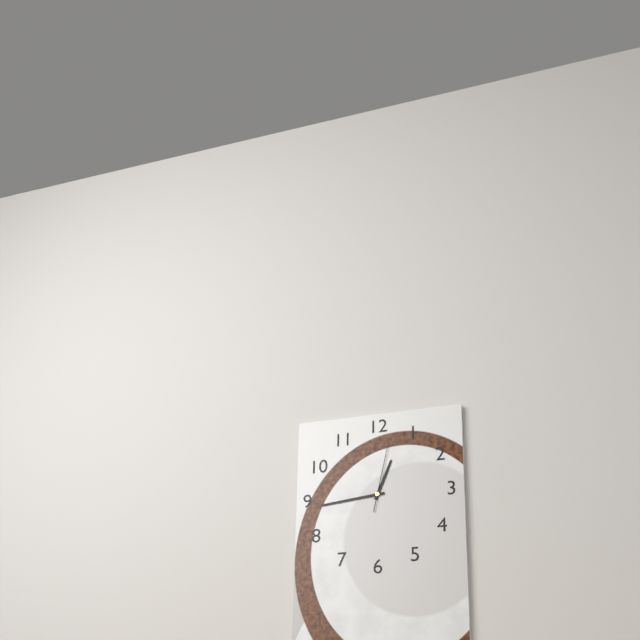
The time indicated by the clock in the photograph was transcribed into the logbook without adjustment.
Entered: 12:44:02
